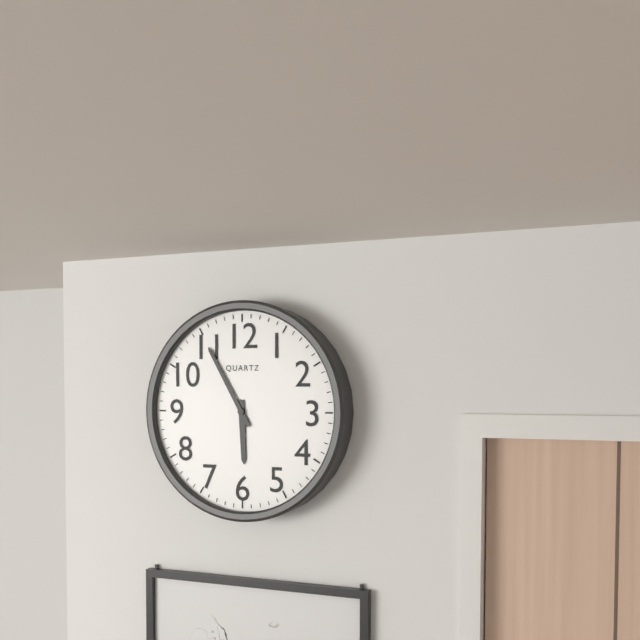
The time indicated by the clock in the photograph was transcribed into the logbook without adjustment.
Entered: 5:55
